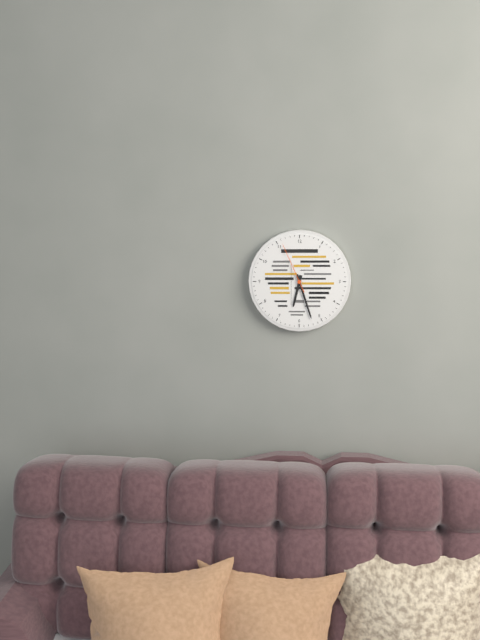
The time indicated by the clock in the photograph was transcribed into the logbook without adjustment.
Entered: 6:27:56
